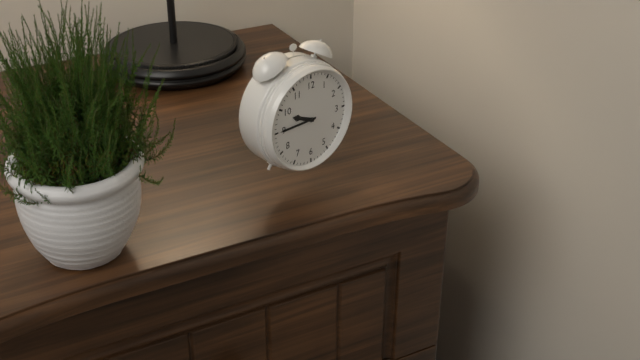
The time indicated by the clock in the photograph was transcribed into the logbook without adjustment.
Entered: 9:45
